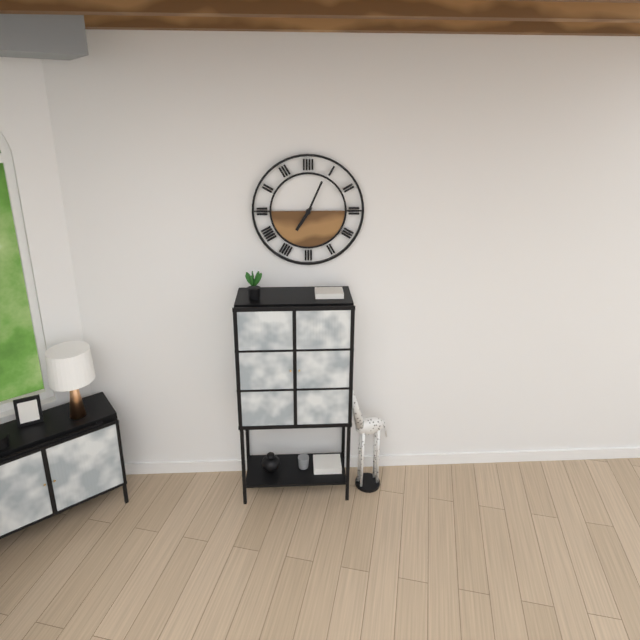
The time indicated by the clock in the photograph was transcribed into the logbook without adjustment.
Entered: 7:04
